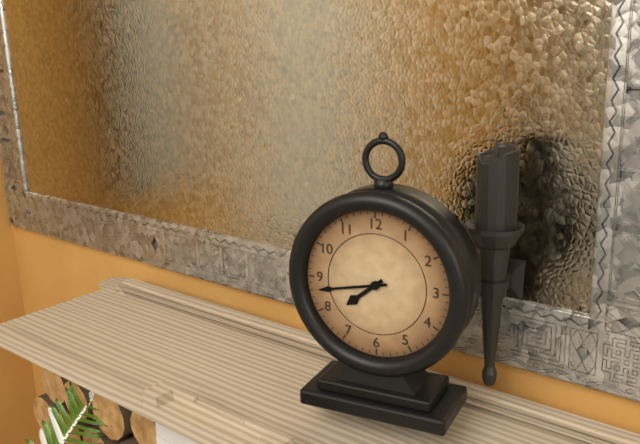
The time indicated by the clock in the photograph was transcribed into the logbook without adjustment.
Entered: 7:43
